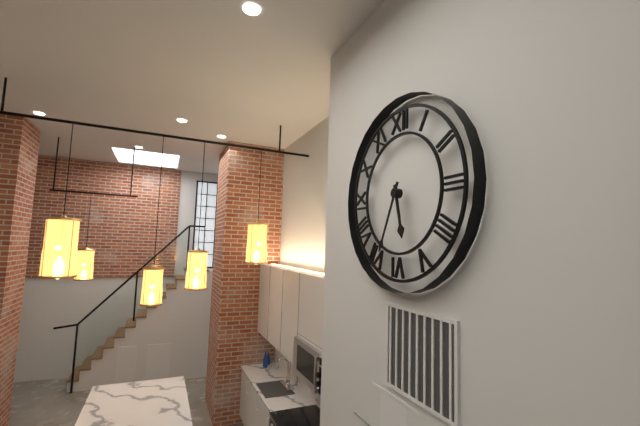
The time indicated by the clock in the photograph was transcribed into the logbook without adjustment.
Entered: 5:34
